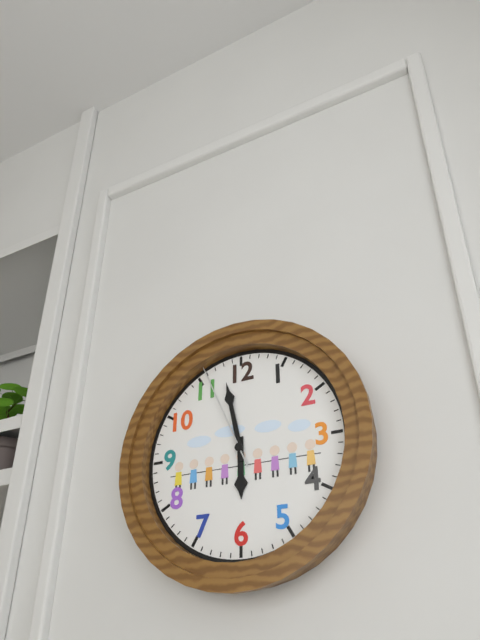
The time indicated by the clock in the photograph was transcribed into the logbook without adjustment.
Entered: 5:58:56
